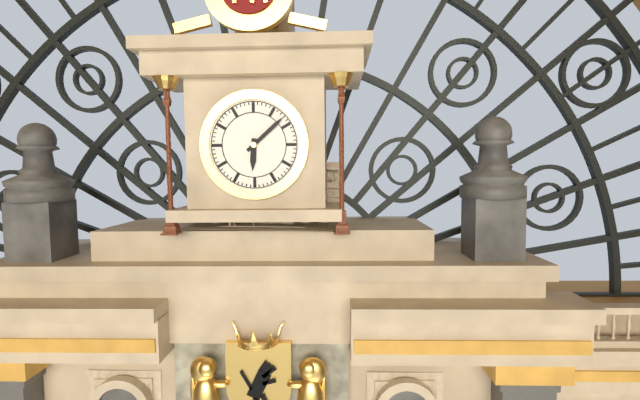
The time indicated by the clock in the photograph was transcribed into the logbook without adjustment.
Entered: 6:08
